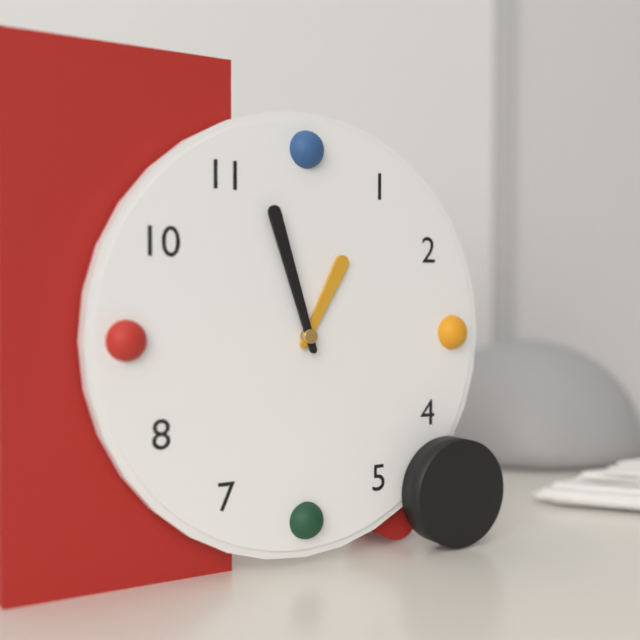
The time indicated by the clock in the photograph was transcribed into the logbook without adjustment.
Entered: 12:57
